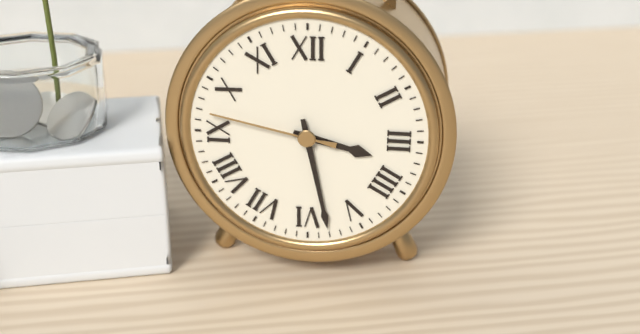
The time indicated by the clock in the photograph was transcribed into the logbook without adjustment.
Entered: 3:28:47
